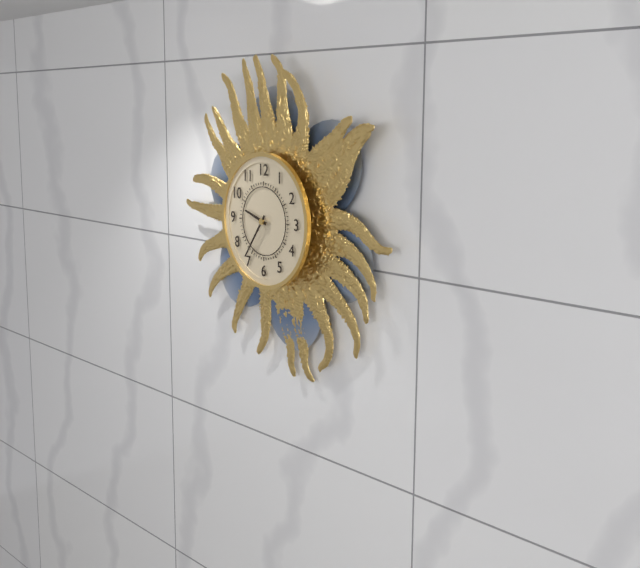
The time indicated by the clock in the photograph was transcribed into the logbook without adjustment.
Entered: 9:36
